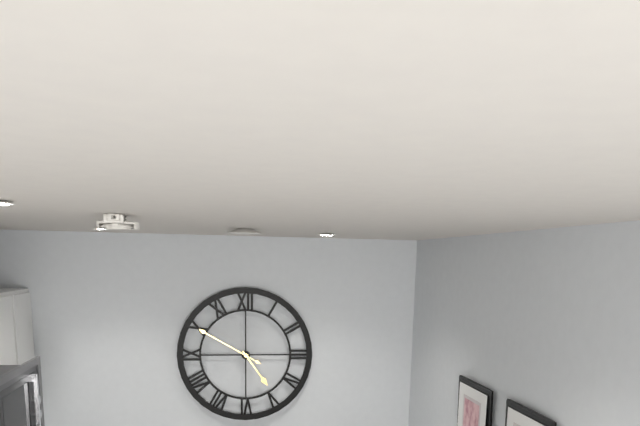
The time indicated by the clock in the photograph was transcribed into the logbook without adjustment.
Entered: 4:50
